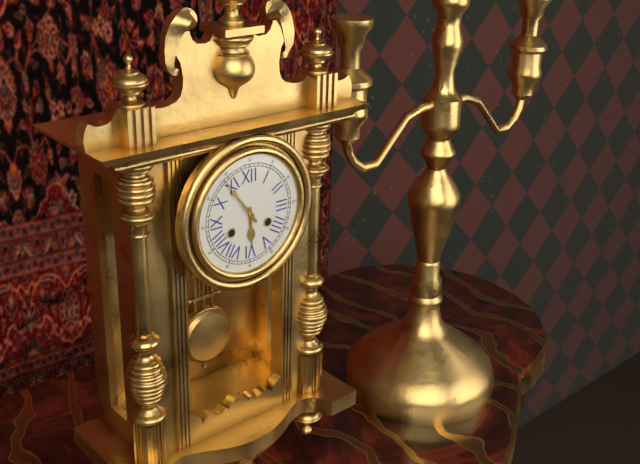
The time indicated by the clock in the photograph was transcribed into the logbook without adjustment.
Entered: 5:54
